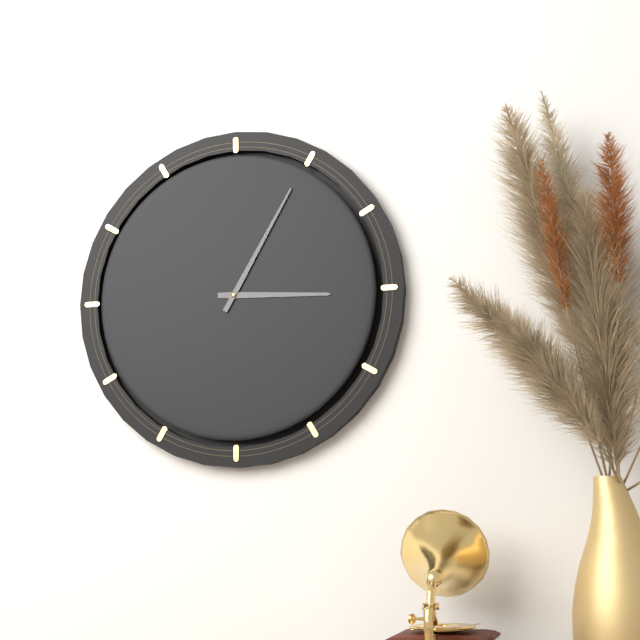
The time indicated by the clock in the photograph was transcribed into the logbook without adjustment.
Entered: 3:05
